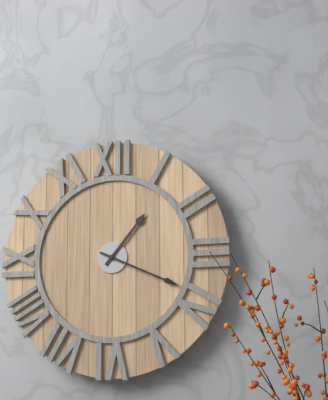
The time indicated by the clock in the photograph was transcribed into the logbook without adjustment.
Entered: 1:19
